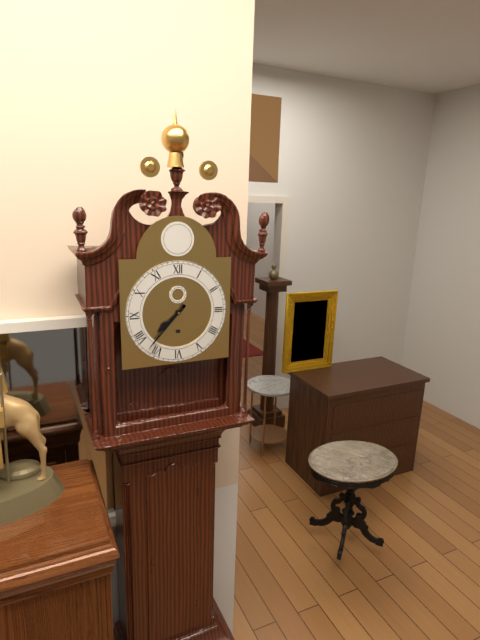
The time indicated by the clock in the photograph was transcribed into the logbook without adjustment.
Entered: 7:37
